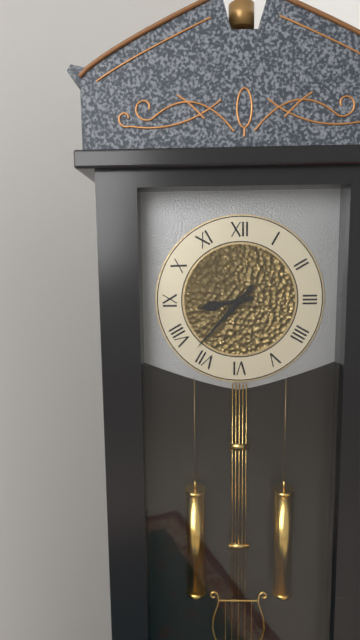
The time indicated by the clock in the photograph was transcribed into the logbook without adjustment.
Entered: 8:37
